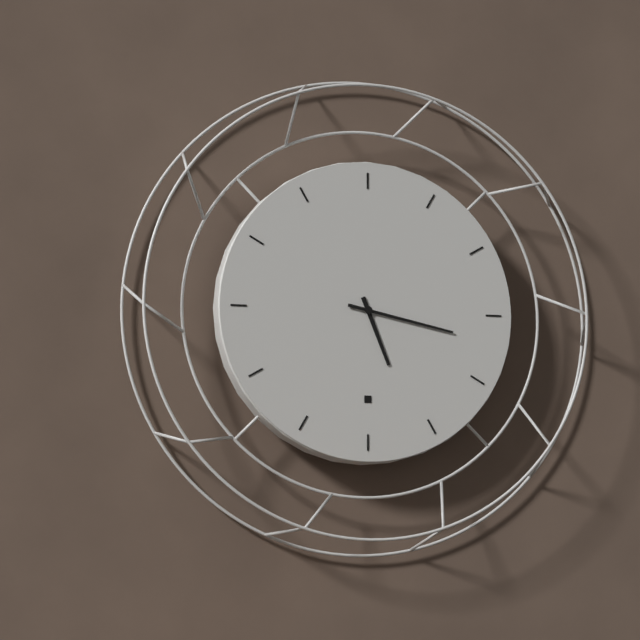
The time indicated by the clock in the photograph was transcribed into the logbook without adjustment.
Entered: 5:17
